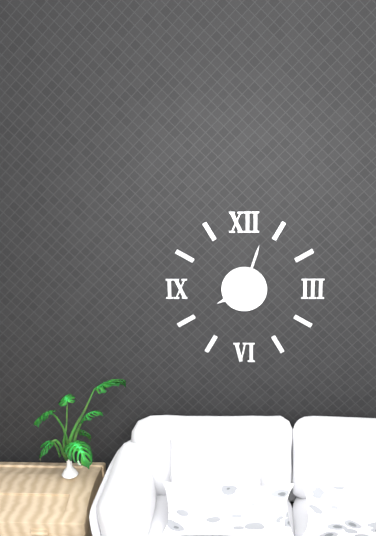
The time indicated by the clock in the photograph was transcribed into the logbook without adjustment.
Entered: 8:03
